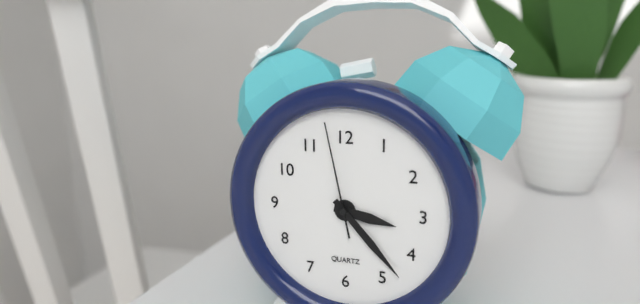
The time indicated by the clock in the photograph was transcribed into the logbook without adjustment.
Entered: 3:23:58
